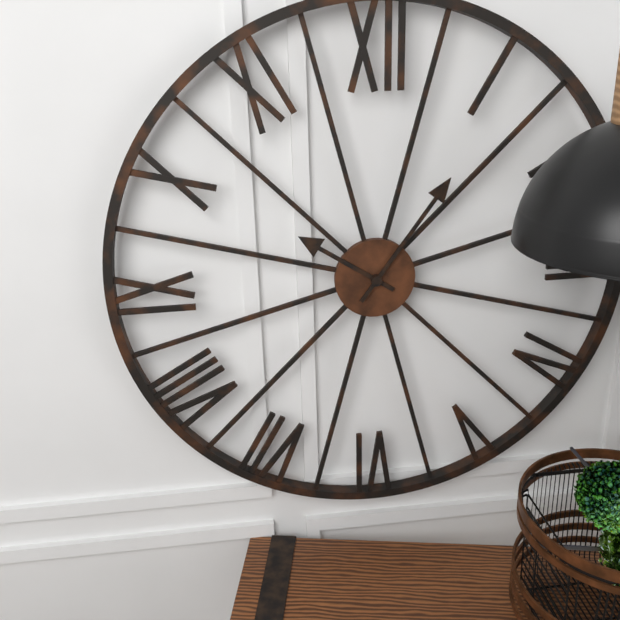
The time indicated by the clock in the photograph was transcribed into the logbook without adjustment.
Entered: 10:06
